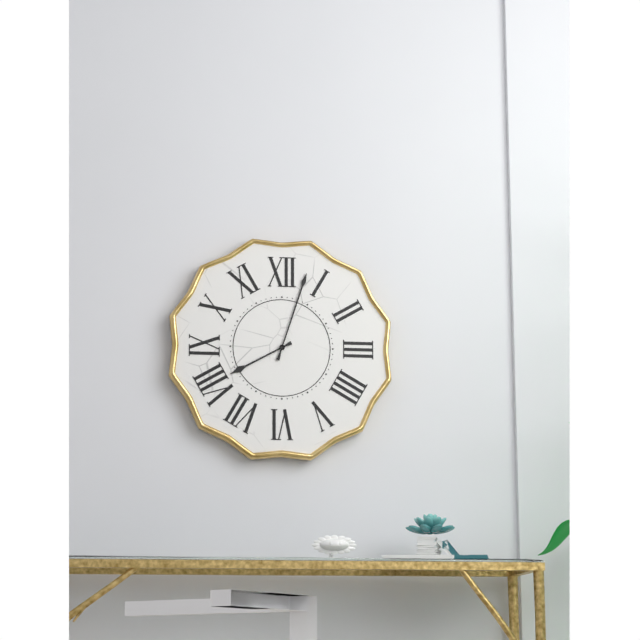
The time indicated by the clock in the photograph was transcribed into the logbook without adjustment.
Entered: 8:03
